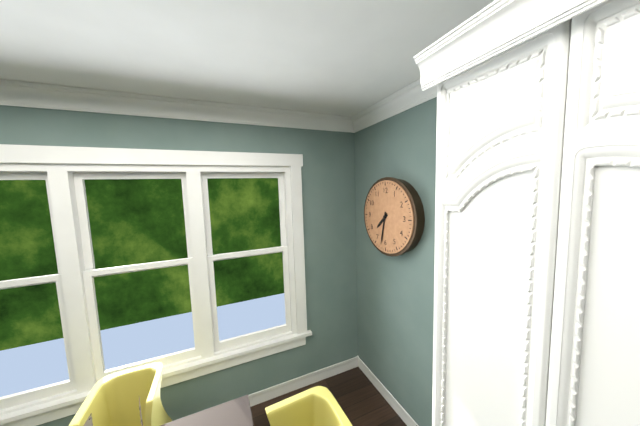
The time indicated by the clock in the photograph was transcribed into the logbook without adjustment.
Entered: 7:32
